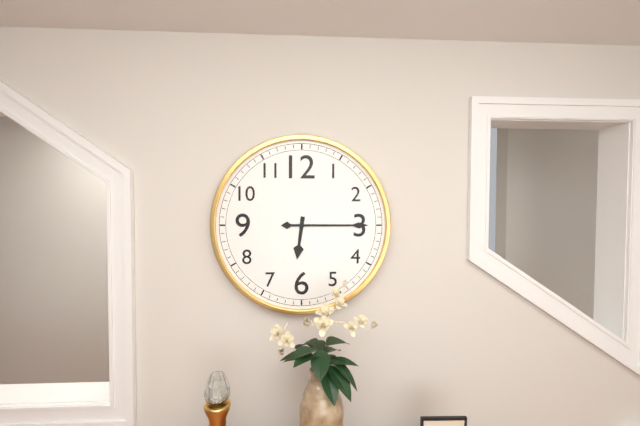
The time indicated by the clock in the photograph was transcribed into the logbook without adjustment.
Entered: 6:15
